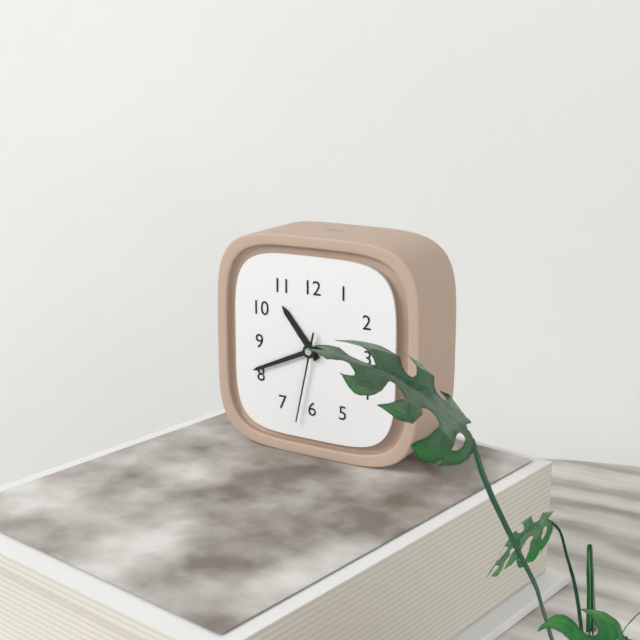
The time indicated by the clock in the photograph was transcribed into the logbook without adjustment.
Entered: 10:41:32
